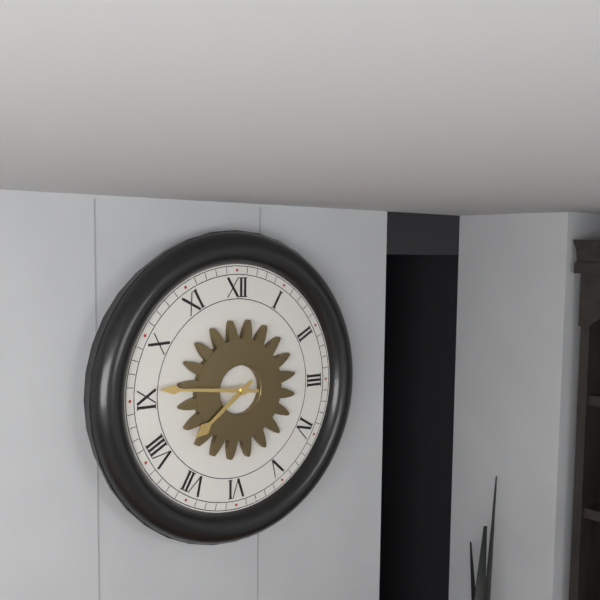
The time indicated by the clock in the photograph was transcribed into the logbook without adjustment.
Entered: 7:46
